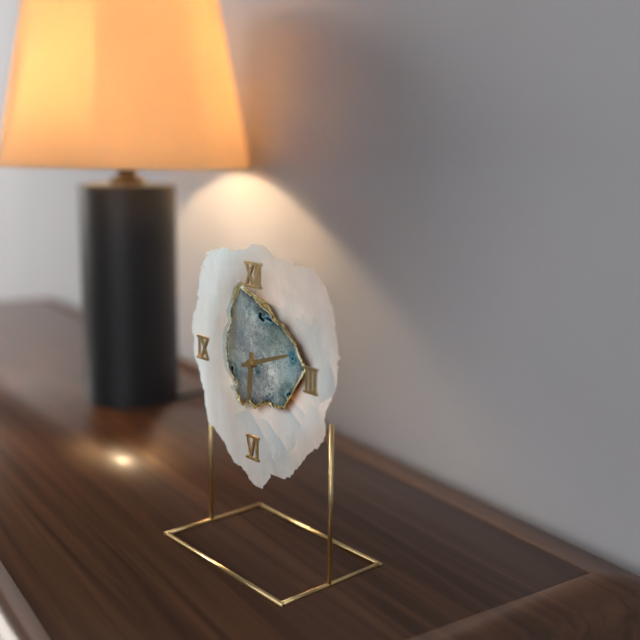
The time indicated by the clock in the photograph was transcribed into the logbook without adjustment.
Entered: 6:12
